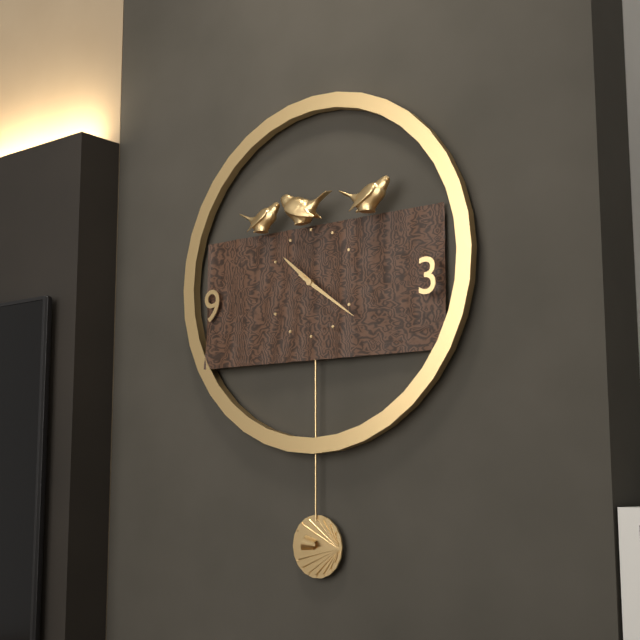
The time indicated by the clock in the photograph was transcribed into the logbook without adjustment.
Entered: 10:21
